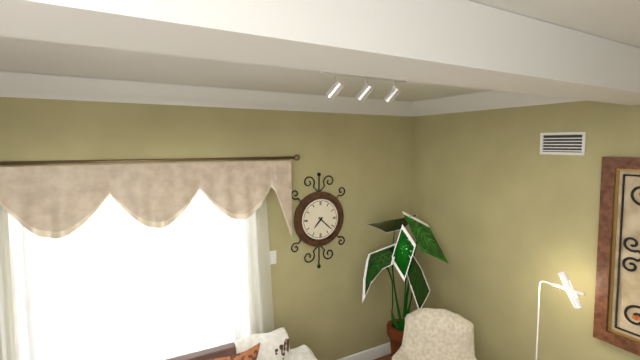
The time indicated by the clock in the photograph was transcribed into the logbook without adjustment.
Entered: 7:22
